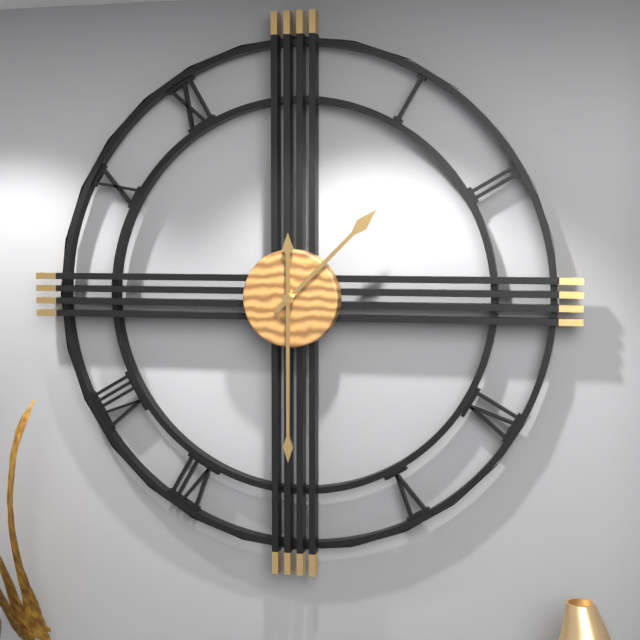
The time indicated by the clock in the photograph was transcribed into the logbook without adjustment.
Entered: 1:30
